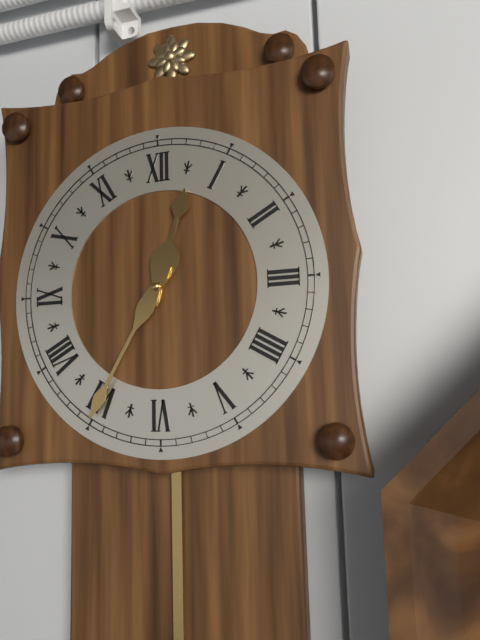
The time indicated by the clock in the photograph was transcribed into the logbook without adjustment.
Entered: 12:35
